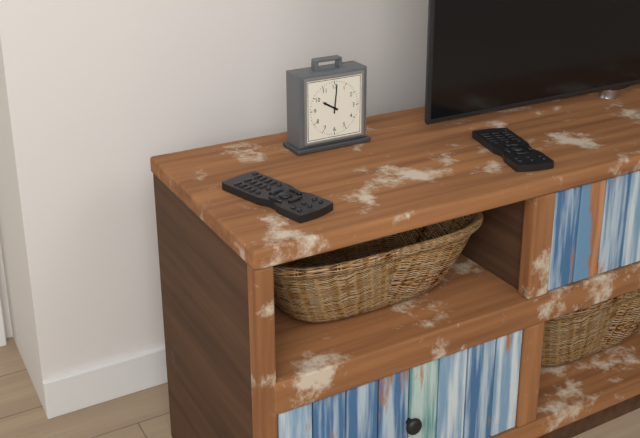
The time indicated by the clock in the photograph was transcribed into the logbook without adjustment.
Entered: 10:01
